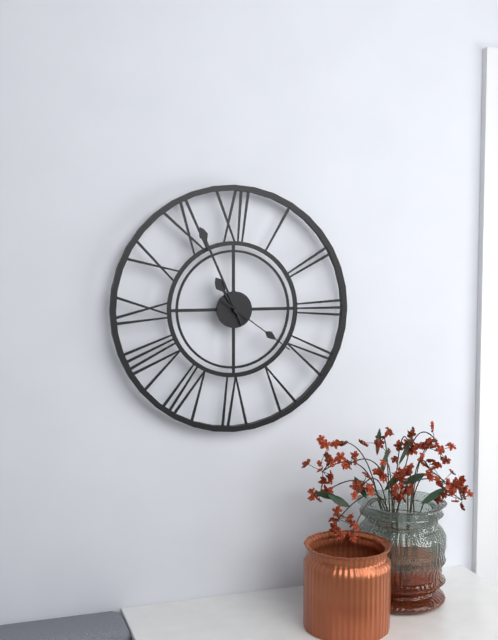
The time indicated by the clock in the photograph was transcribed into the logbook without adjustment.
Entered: 10:56:21
